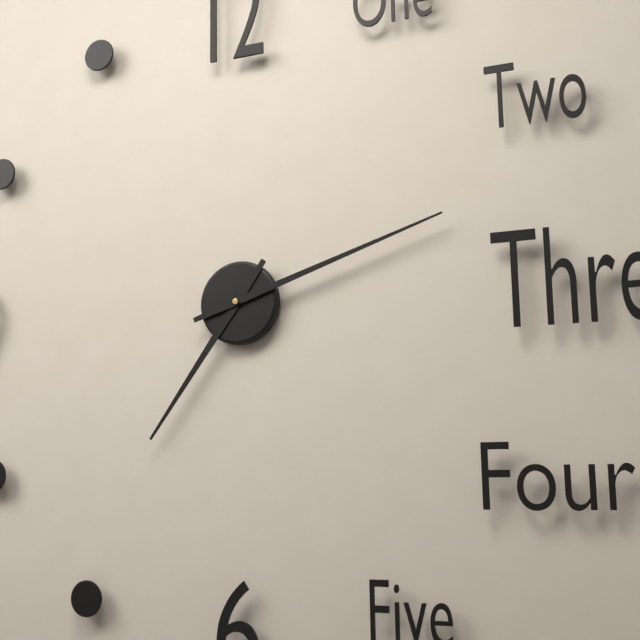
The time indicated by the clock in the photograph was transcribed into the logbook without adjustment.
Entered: 7:12
